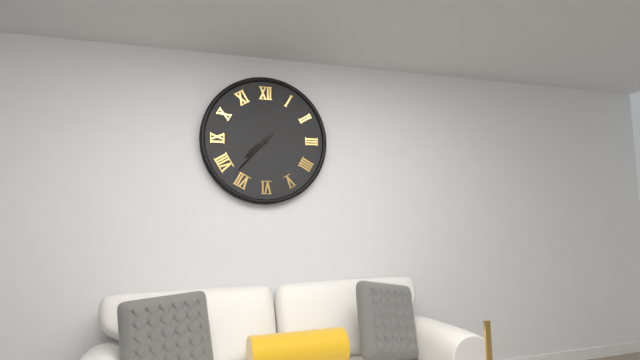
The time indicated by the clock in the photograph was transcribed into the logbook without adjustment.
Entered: 7:37
